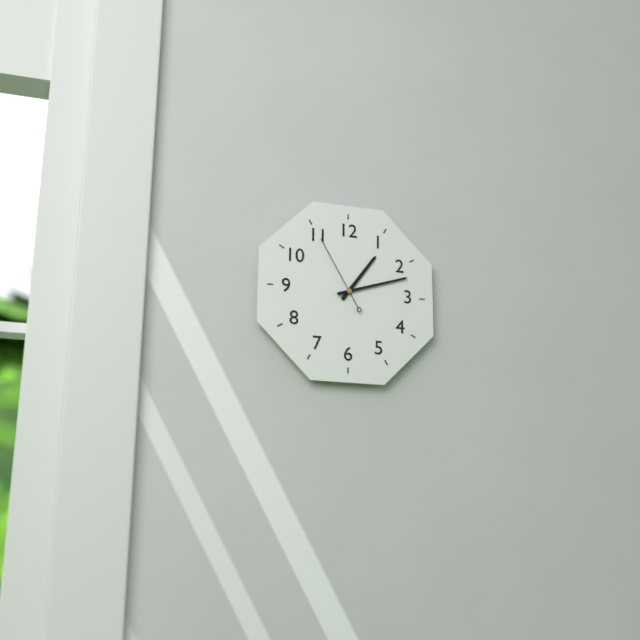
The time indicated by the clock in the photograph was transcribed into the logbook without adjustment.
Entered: 1:12:55
